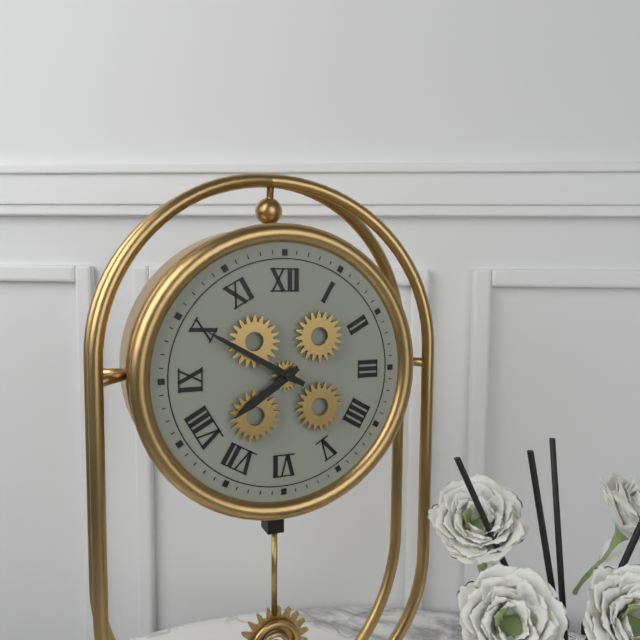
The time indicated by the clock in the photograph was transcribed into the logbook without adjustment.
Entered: 7:50
